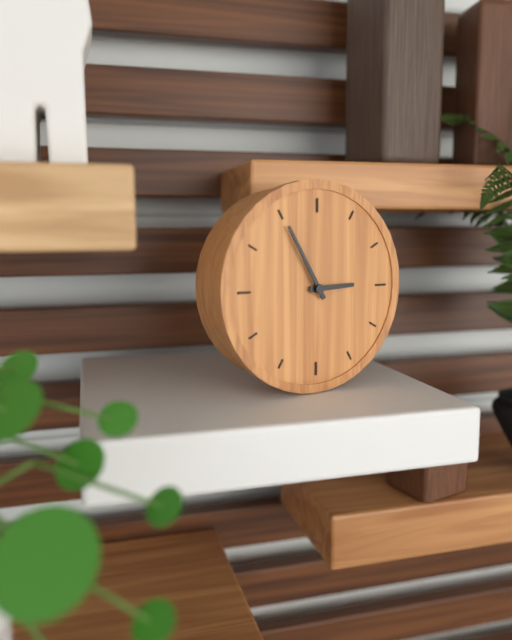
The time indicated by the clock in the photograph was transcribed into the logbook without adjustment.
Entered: 2:55
